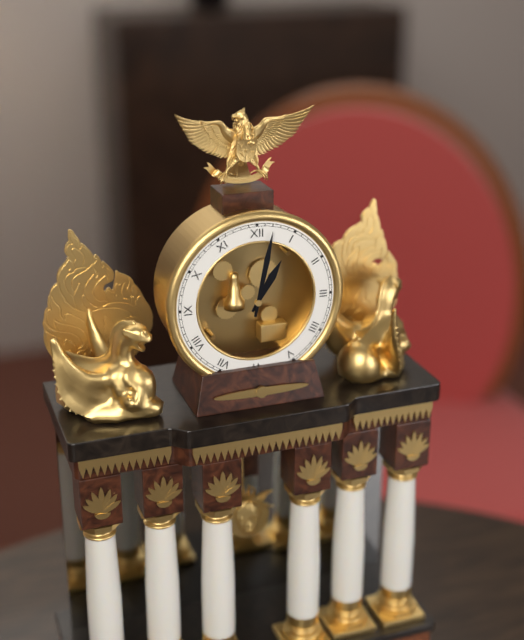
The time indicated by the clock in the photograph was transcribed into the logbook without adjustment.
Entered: 1:02
